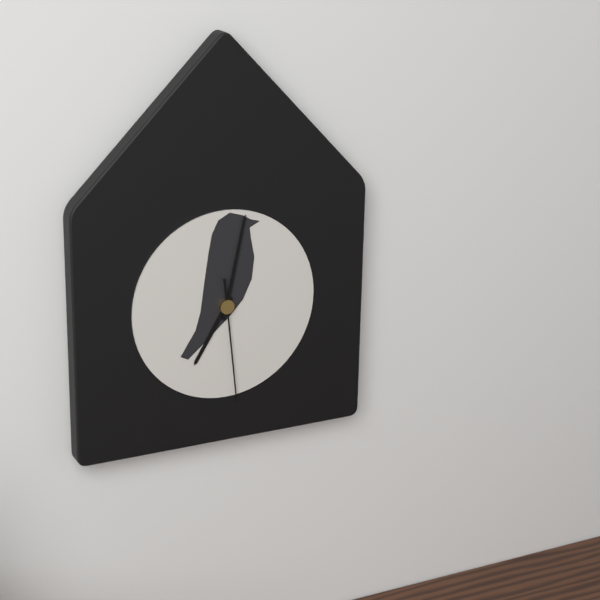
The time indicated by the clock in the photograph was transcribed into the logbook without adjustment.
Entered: 7:02:29
